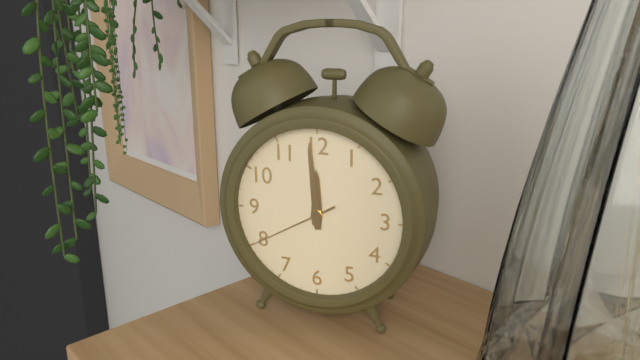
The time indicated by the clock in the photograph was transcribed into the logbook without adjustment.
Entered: 11:59:40
